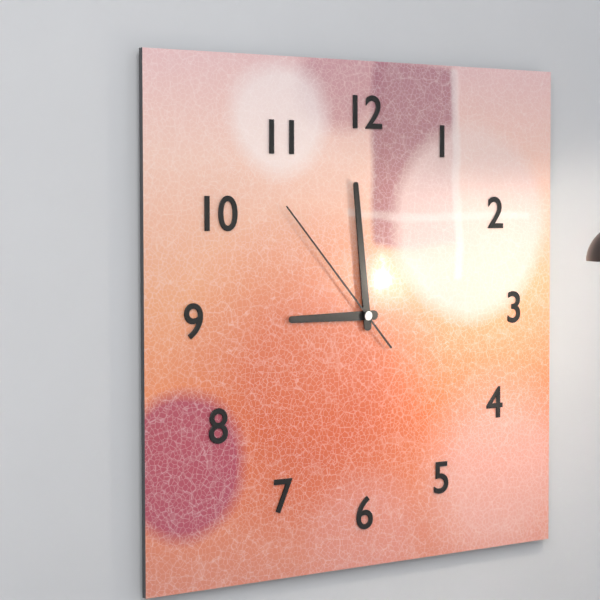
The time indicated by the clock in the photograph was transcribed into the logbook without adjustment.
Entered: 8:59:53
